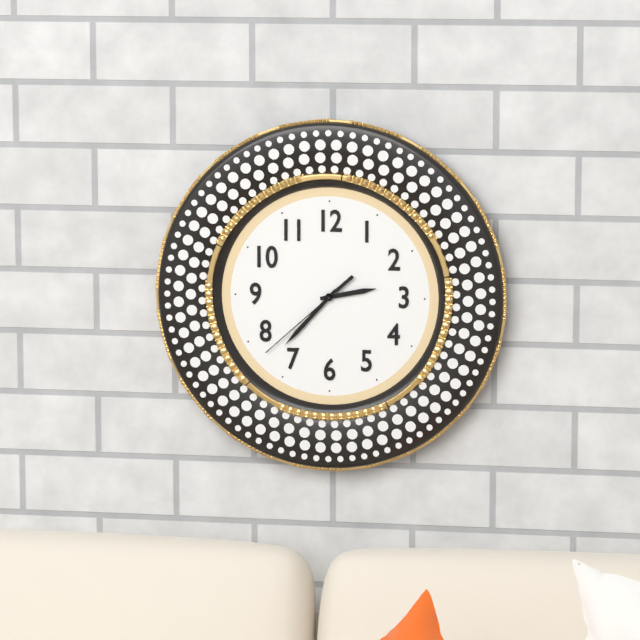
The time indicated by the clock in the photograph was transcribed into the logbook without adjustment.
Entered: 2:37:38
